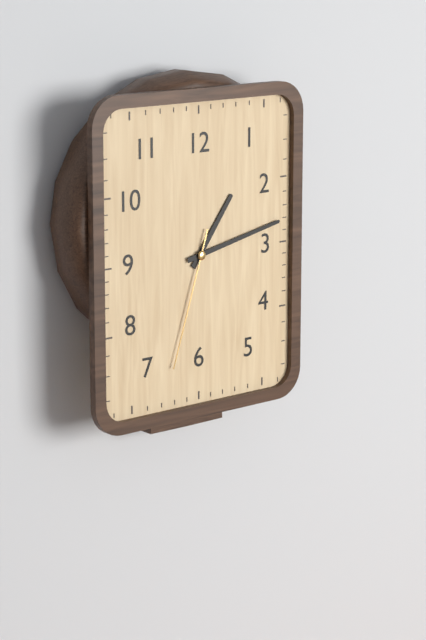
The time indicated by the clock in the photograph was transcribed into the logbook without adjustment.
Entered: 1:13:33
